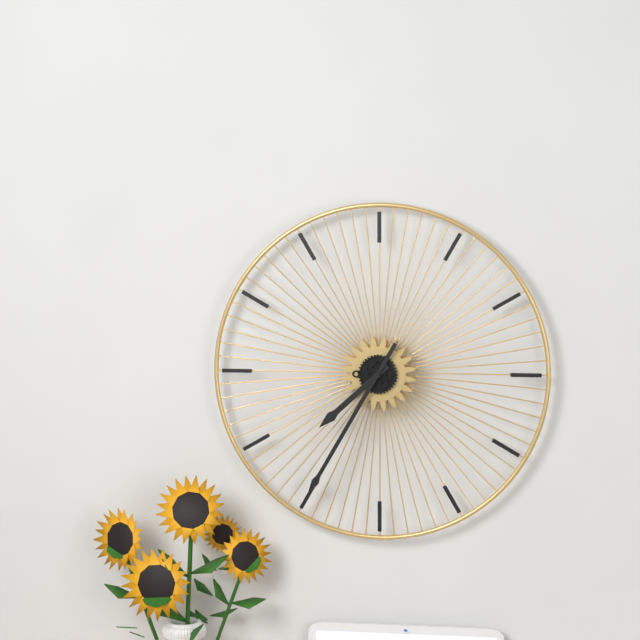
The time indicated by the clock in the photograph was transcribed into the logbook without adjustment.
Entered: 7:35
